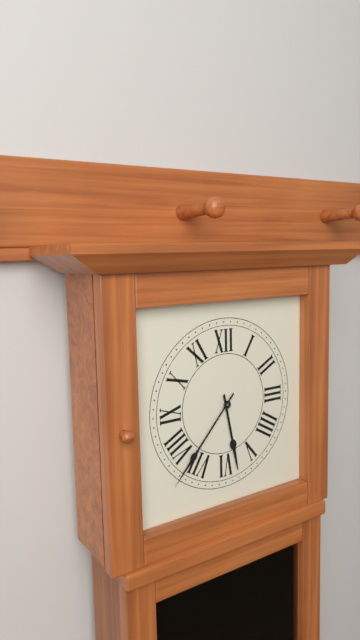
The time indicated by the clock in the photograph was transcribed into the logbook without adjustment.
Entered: 5:37
